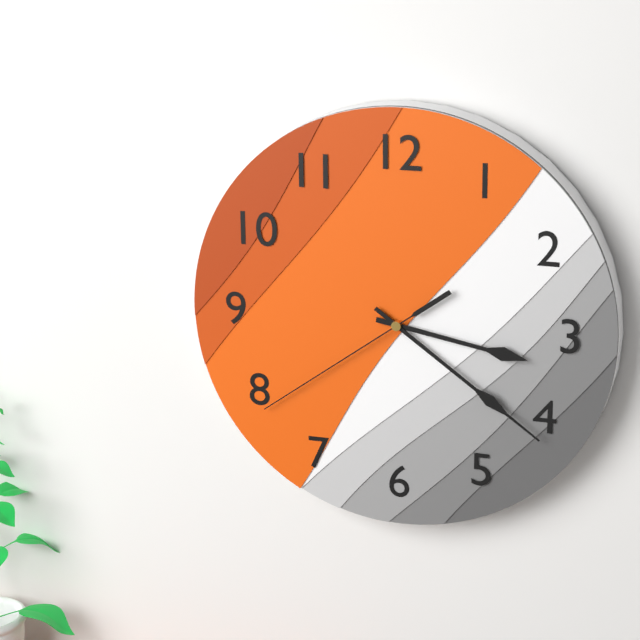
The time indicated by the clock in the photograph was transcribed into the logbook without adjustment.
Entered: 3:21:39
